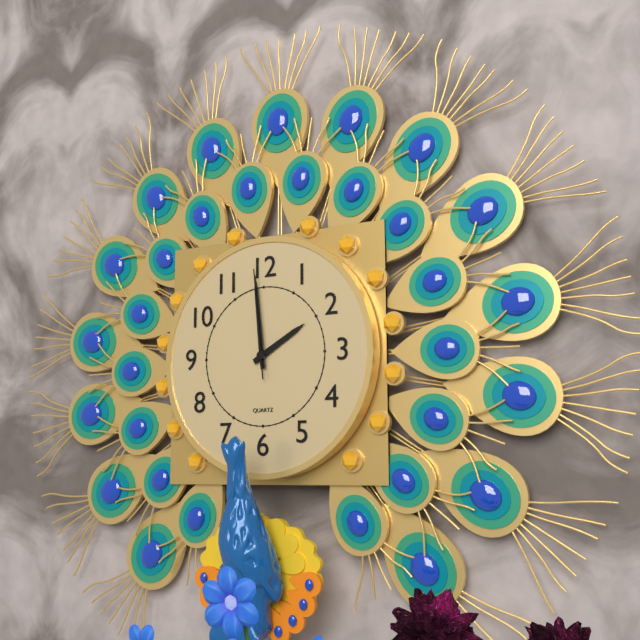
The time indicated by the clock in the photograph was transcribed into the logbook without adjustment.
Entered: 1:59:59
